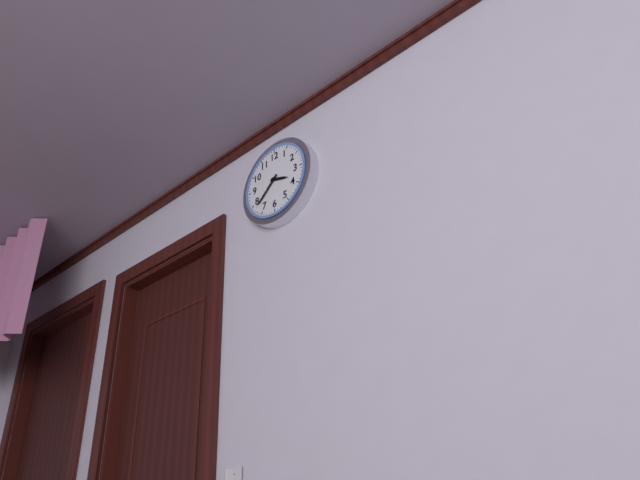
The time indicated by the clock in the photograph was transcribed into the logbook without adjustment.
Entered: 3:38
